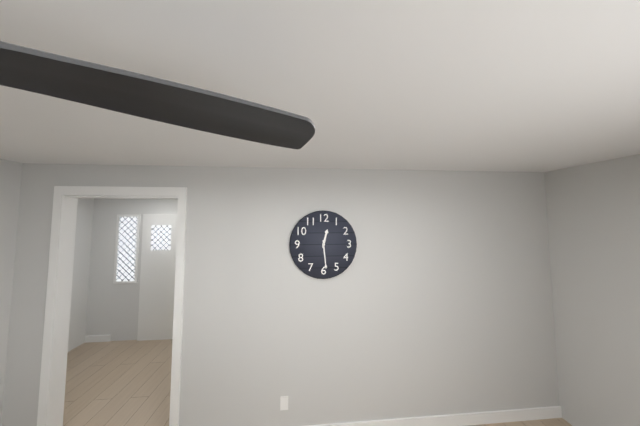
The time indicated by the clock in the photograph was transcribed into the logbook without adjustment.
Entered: 12:29
